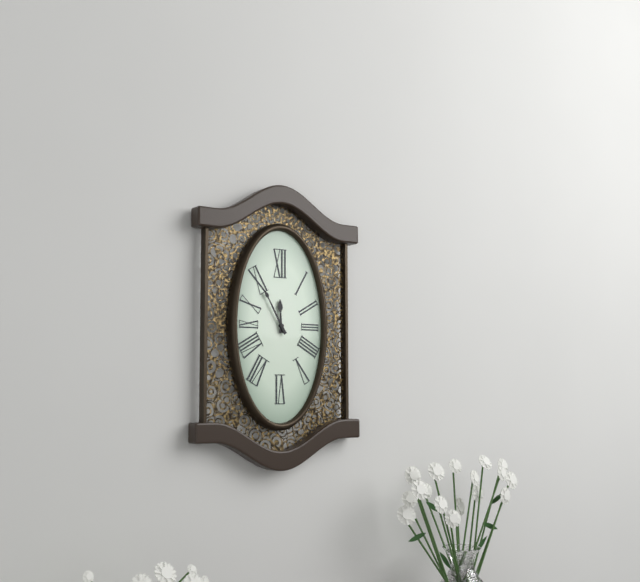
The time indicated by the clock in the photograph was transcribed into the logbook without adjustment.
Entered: 11:55
